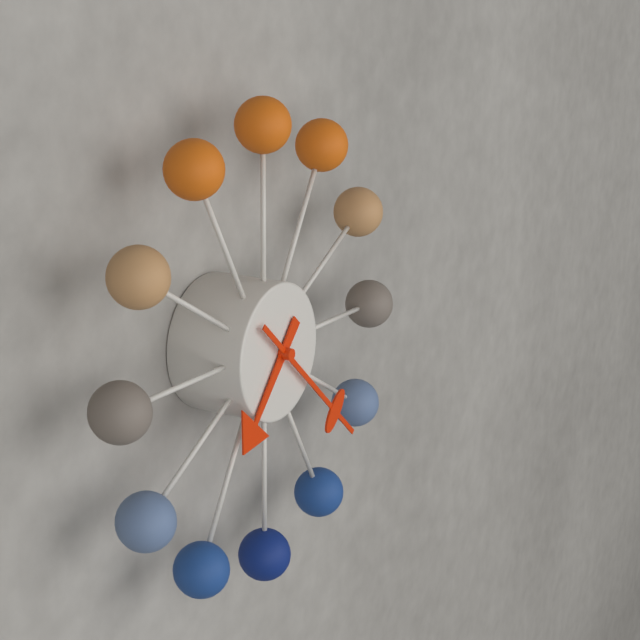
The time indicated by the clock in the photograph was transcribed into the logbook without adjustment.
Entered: 7:22
